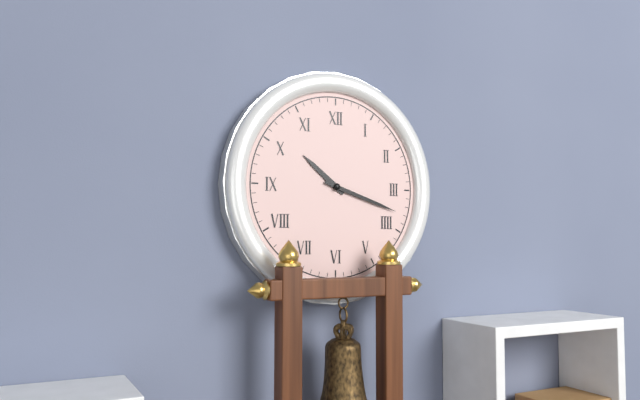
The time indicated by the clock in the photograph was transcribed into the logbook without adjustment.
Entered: 10:18
